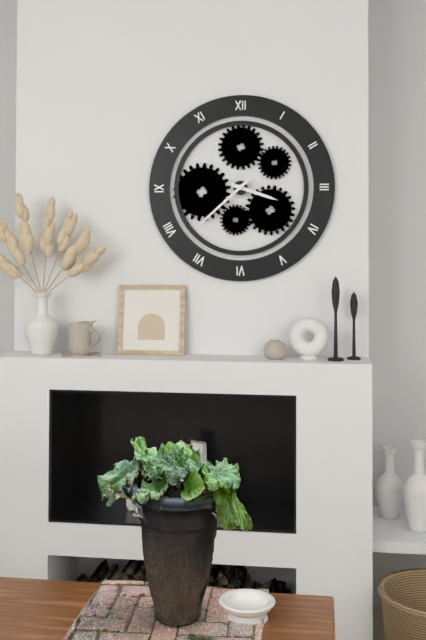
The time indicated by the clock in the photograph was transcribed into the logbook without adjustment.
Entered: 3:38
